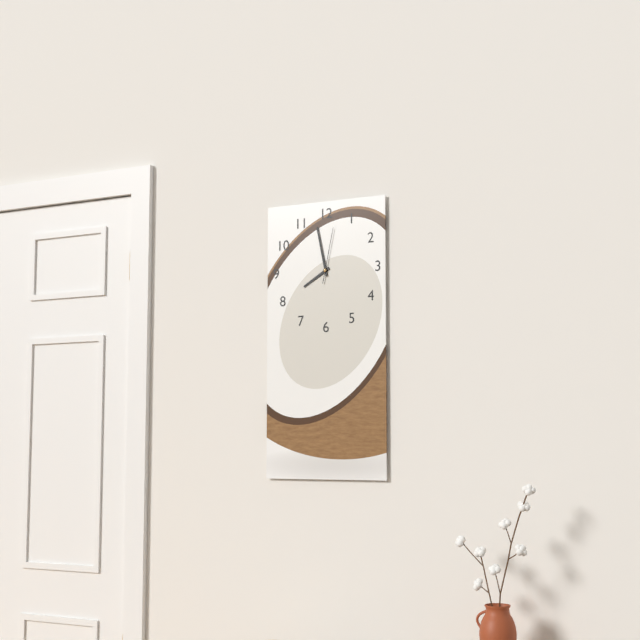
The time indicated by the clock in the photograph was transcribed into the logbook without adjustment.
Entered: 7:58:02
